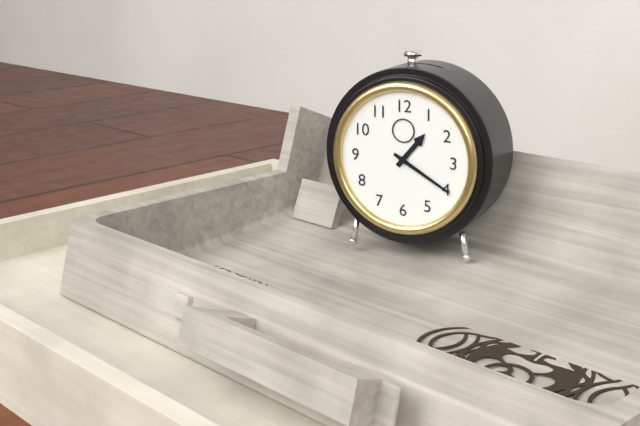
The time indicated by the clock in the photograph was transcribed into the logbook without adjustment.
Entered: 1:20
